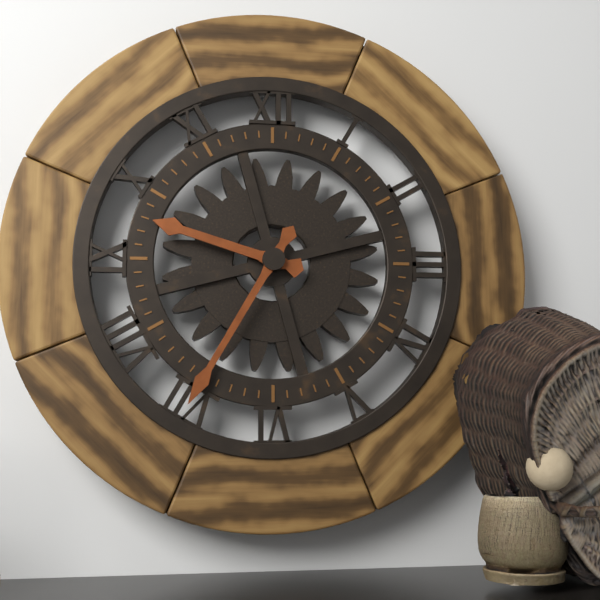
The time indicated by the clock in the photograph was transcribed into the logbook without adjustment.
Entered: 9:35
